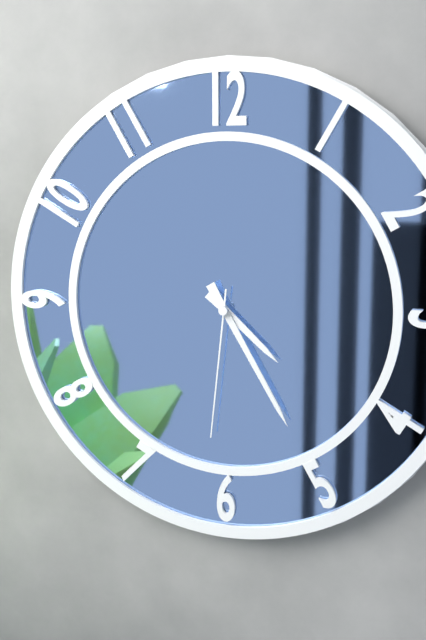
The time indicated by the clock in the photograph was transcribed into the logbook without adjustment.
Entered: 4:25:31
